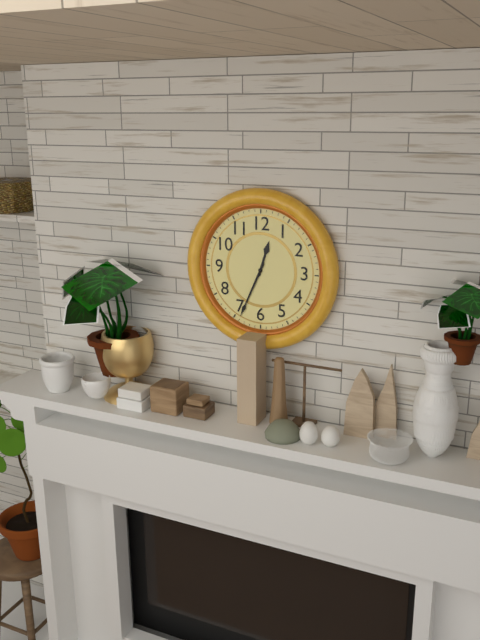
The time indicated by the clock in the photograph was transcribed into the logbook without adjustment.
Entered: 12:34
